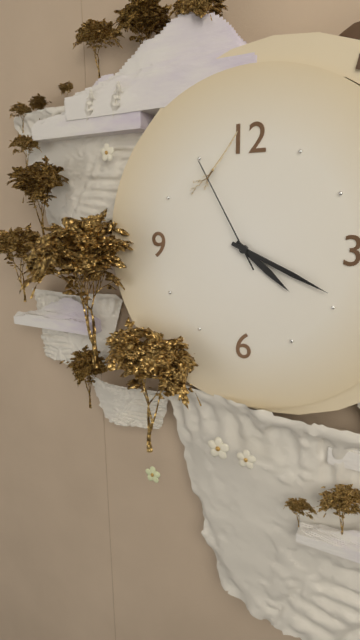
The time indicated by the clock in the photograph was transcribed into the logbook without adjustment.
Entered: 4:19:55
